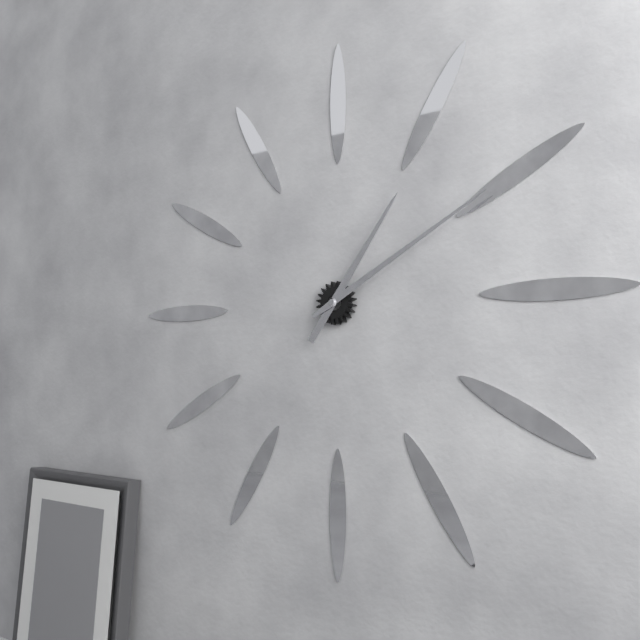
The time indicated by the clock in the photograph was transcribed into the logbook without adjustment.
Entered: 1:10
